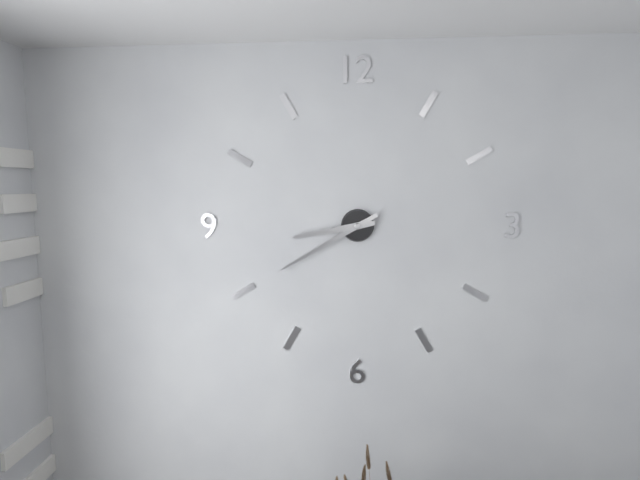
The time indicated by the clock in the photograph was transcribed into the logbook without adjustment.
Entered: 8:40
